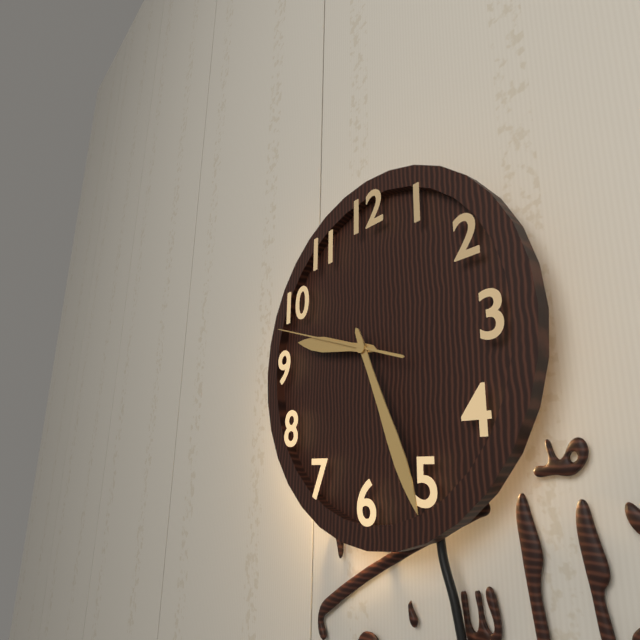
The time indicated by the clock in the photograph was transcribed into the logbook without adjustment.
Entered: 9:26:48
